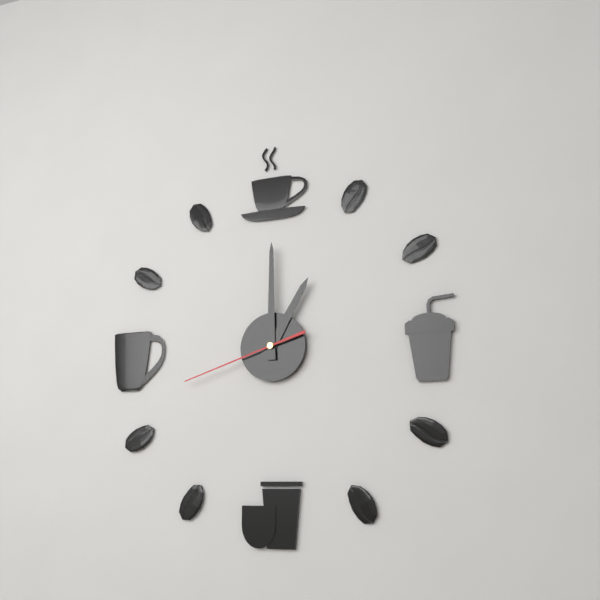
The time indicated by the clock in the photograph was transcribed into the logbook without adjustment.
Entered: 1:00:42
